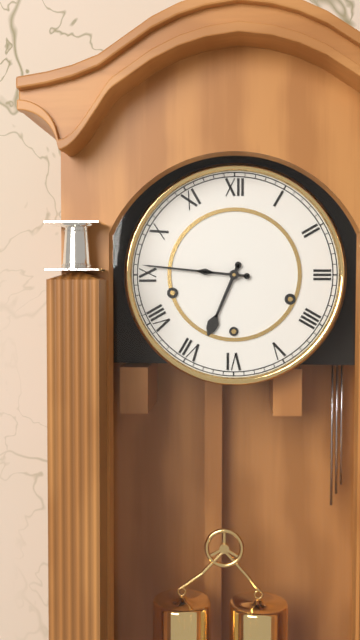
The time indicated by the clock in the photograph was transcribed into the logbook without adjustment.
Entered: 6:46
